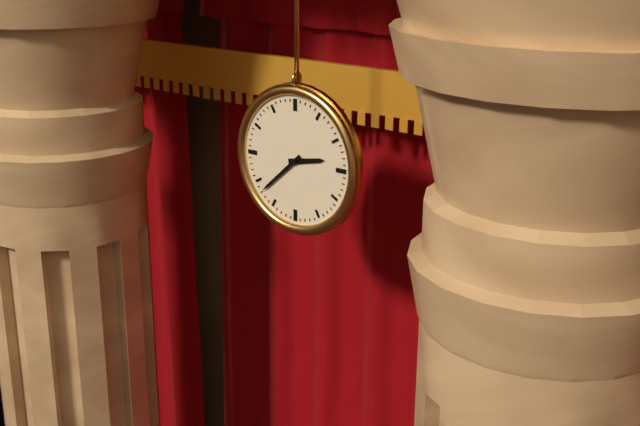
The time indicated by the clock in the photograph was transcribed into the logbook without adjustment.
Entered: 2:38
